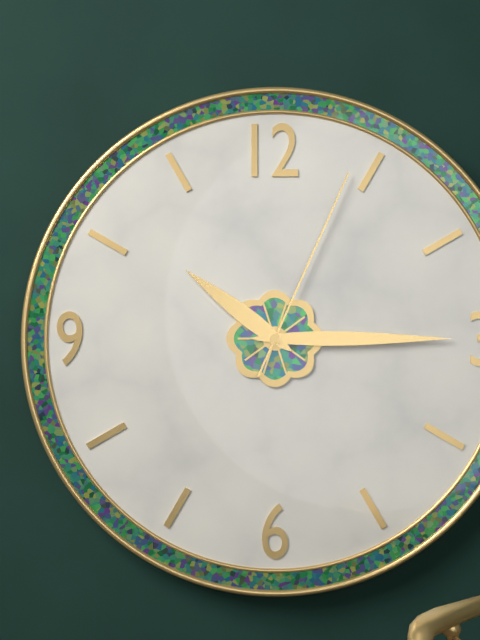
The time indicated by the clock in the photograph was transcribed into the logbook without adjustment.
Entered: 10:15:04
